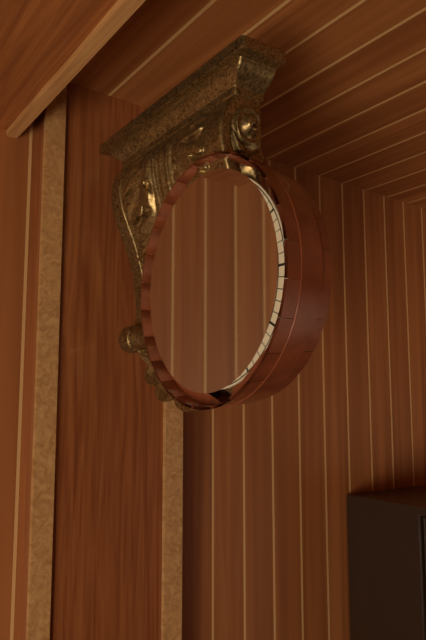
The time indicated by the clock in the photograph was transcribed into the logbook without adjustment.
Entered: 8:14
